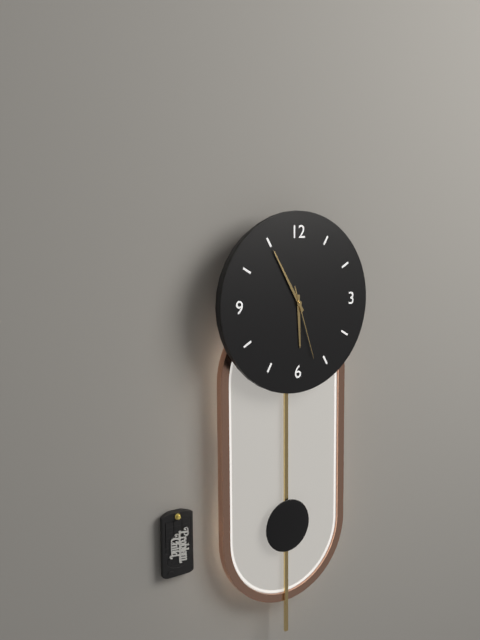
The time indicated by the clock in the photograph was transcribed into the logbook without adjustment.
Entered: 5:55:27
